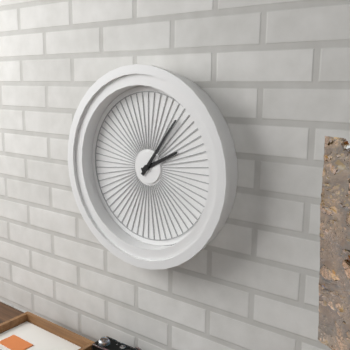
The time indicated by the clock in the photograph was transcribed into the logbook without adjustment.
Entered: 2:06
